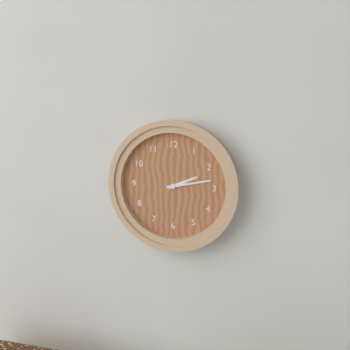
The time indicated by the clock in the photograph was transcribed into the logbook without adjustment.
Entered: 2:13
